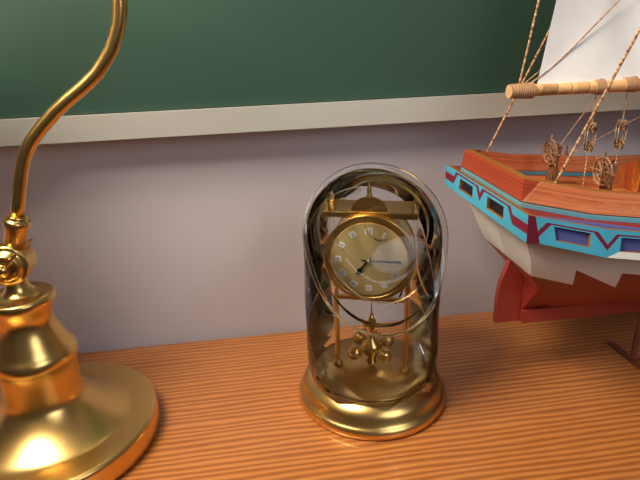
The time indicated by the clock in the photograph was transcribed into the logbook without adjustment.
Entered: 7:15
